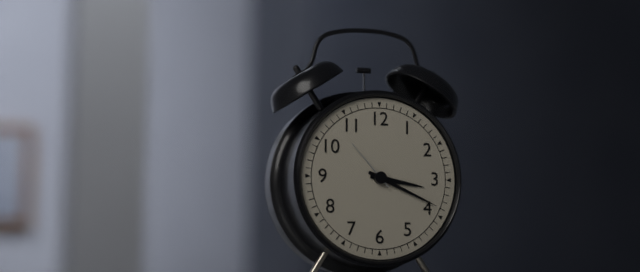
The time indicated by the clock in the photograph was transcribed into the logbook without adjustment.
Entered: 3:19:53
